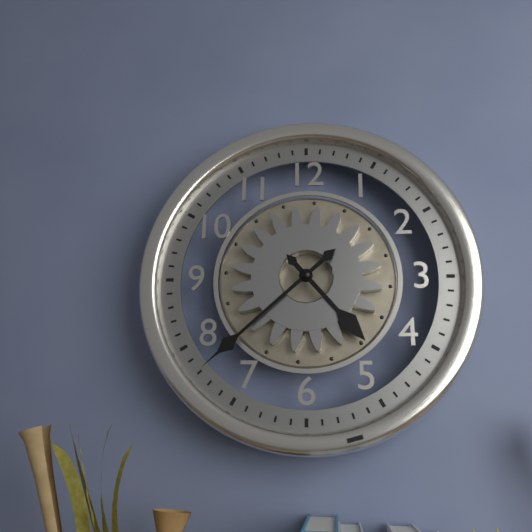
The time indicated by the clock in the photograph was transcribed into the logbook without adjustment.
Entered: 4:38
